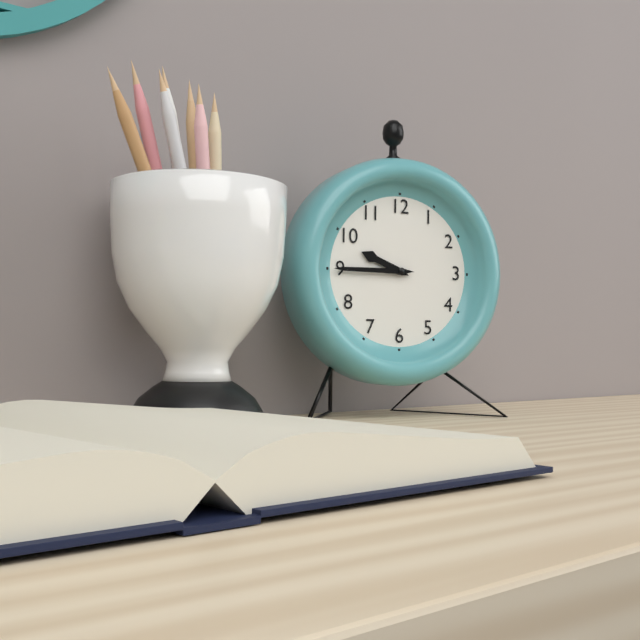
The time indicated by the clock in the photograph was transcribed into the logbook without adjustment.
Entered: 9:45
